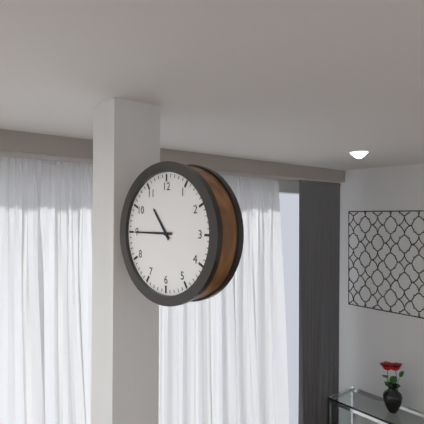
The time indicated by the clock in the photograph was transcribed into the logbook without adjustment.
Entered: 10:45
